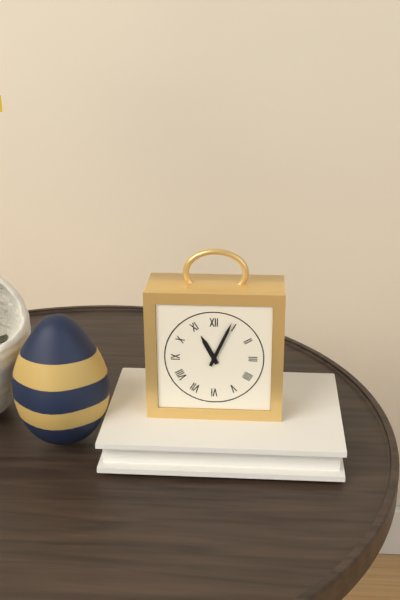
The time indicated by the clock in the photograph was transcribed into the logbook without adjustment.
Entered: 11:04
